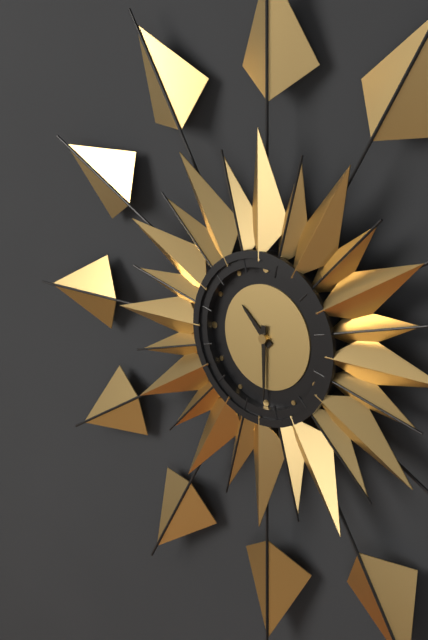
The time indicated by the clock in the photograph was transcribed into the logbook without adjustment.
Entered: 10:30
